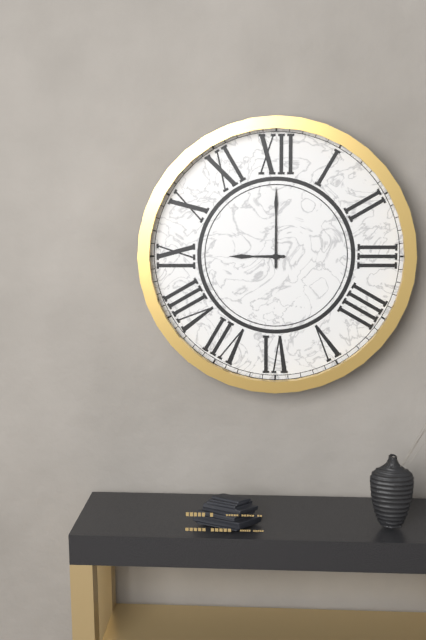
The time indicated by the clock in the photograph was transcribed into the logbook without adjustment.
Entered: 9:00
